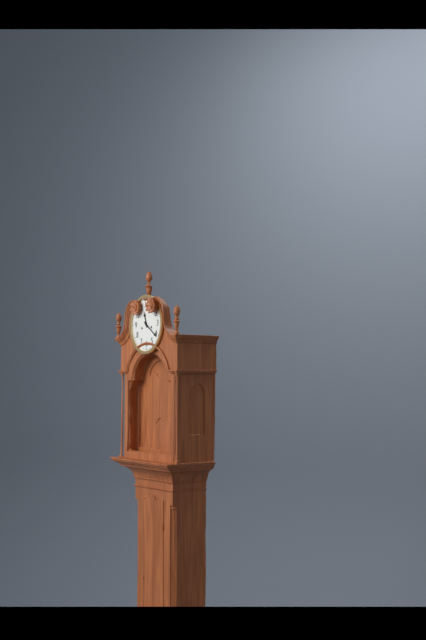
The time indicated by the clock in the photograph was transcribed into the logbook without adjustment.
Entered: 11:21
